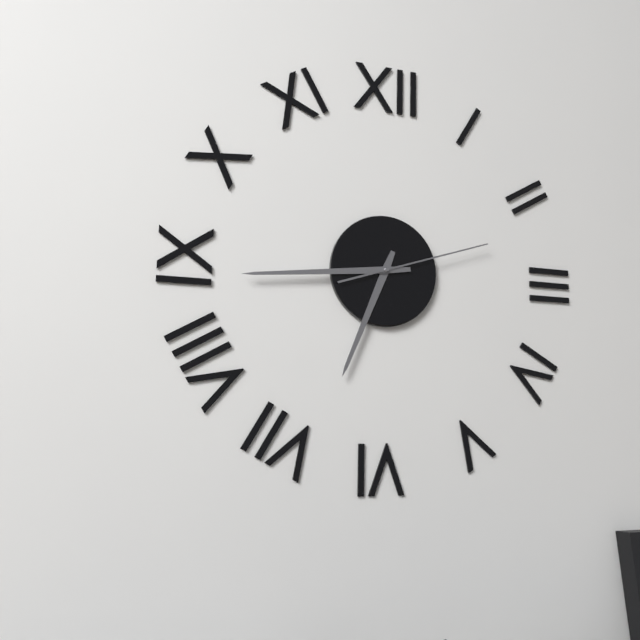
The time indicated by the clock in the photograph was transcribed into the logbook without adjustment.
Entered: 6:44:12
